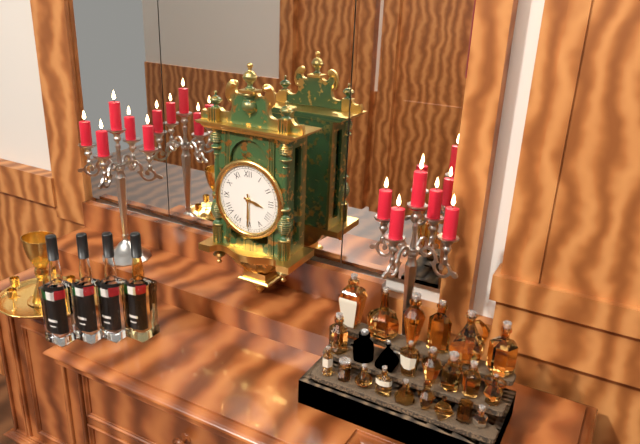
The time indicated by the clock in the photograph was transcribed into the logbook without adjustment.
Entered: 3:30
